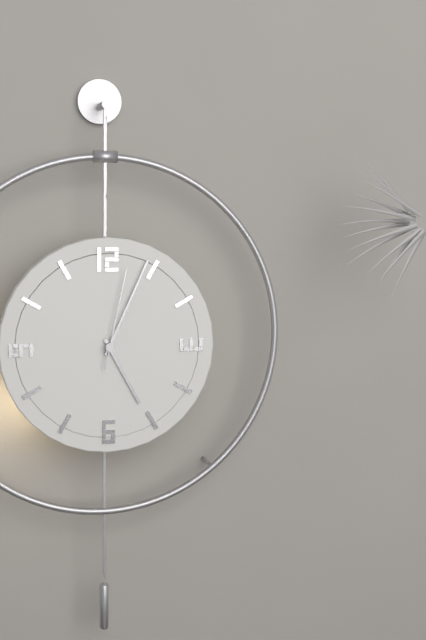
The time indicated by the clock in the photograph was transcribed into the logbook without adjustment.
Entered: 5:04:02
